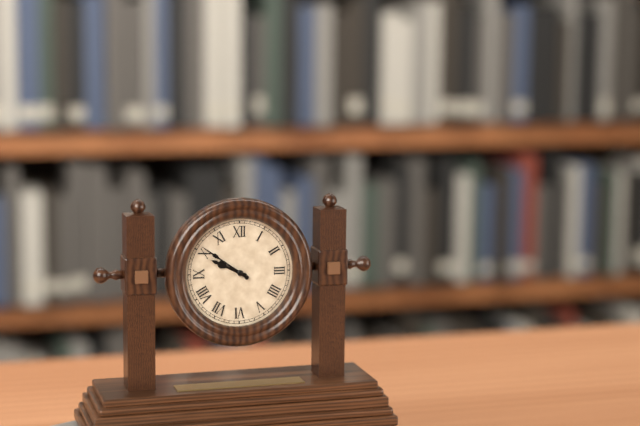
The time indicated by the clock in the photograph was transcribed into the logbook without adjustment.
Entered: 9:51
